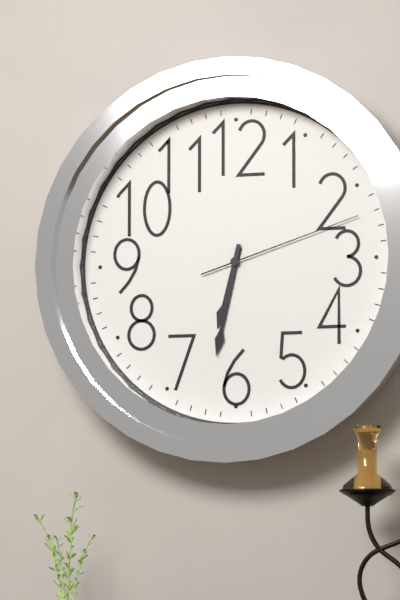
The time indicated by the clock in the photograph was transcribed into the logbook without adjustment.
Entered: 6:32:12
